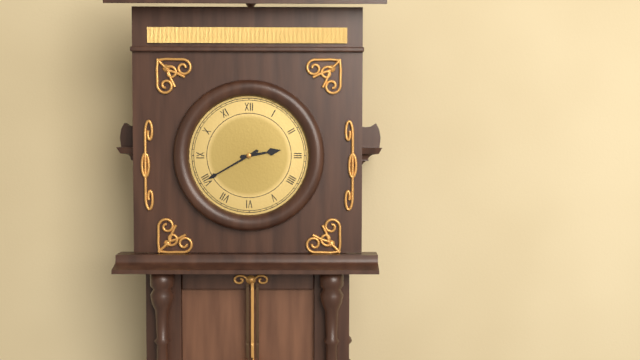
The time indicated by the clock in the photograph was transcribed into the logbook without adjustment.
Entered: 2:40
